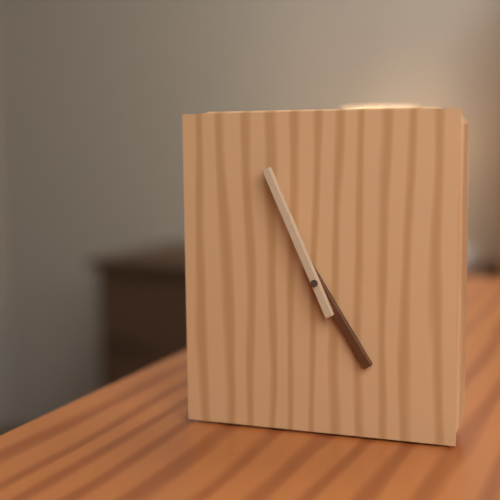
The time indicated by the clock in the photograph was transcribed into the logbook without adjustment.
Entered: 4:56
